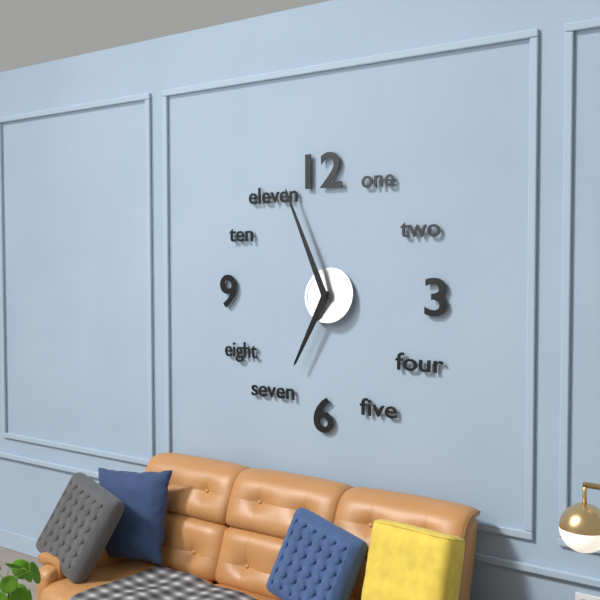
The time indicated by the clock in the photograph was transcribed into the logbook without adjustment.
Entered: 6:56
